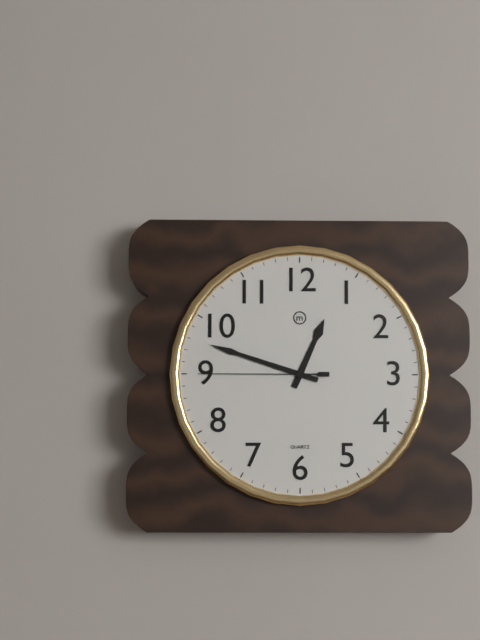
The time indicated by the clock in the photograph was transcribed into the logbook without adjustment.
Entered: 12:48:45
